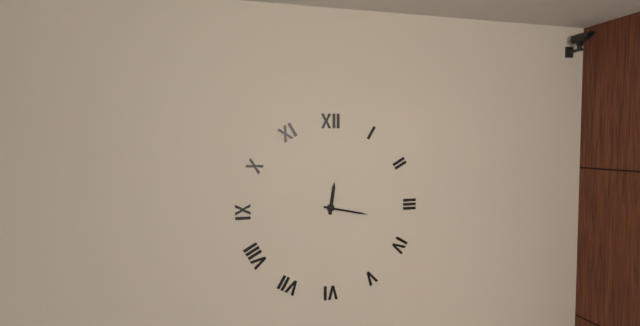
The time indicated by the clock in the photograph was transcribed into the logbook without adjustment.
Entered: 12:17
